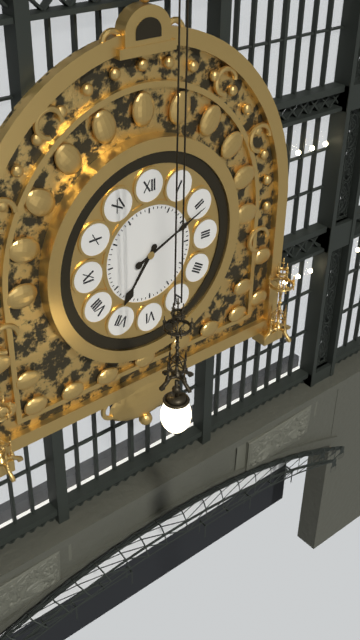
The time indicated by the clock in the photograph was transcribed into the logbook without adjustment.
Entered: 7:11
